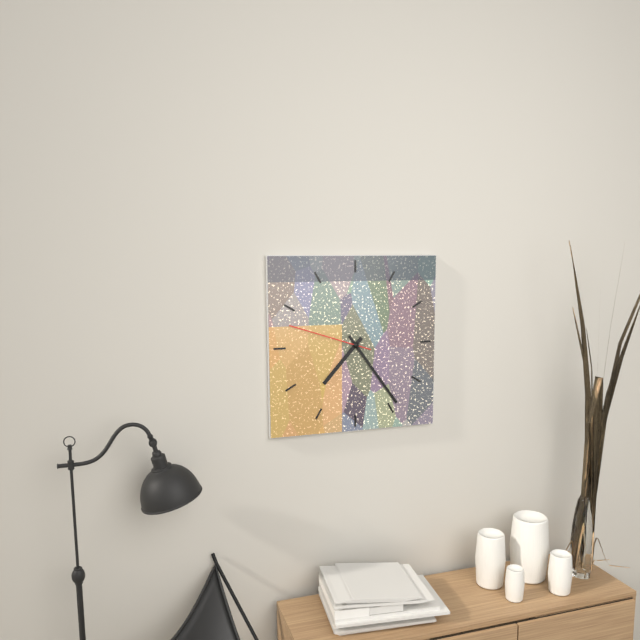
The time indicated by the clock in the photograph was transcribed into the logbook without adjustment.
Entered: 7:24:48
